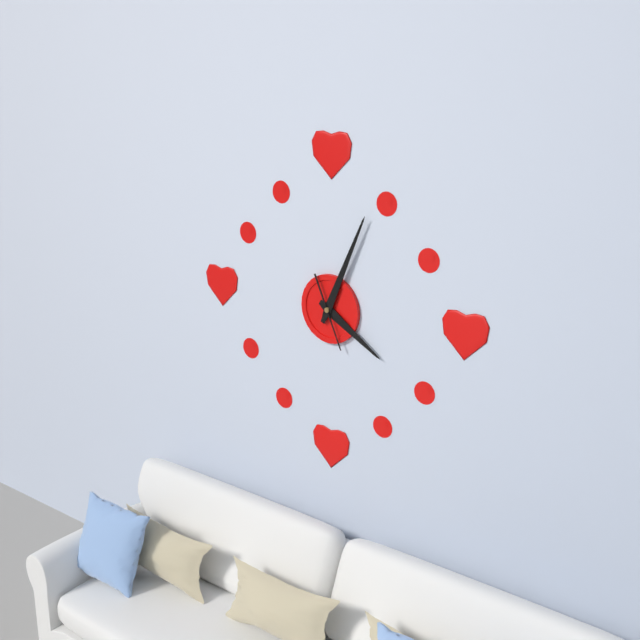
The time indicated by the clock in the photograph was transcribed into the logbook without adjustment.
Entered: 4:04:26
